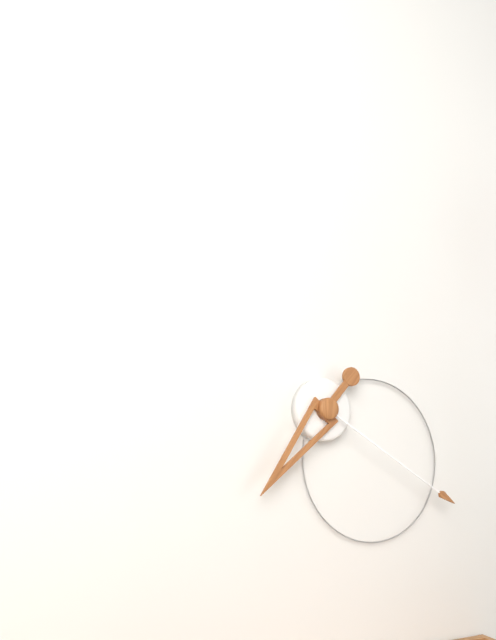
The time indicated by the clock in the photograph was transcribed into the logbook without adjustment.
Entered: 7:20
